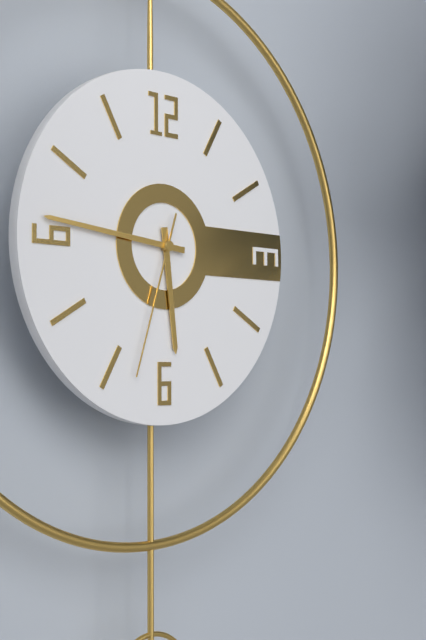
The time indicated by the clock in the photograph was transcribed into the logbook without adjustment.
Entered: 5:46:33
